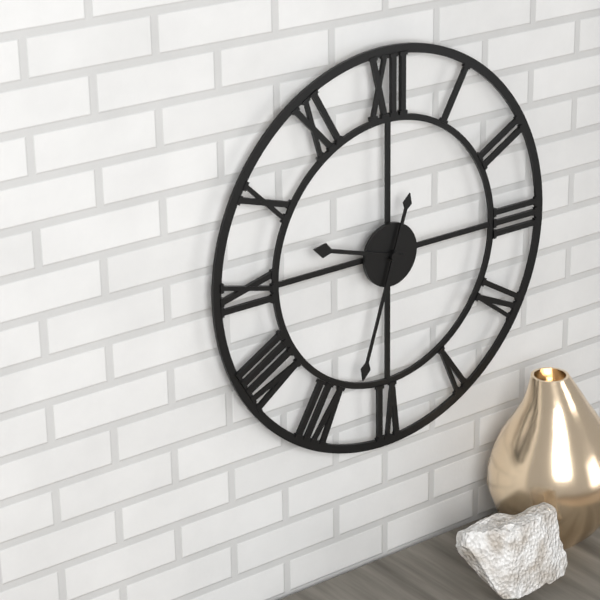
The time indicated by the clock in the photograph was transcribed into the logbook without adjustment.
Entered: 9:33
